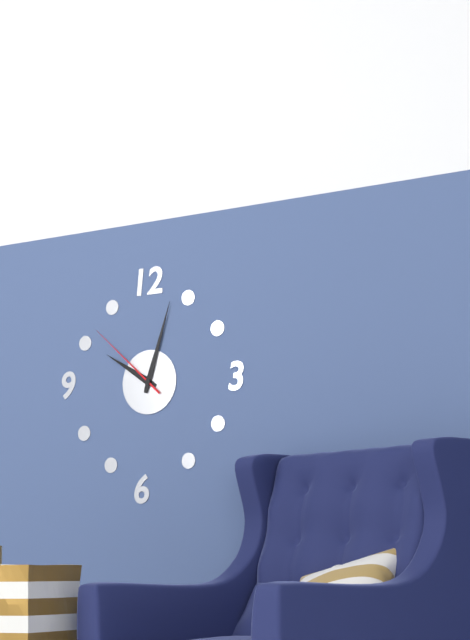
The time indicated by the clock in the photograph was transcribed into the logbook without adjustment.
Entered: 10:03:52
